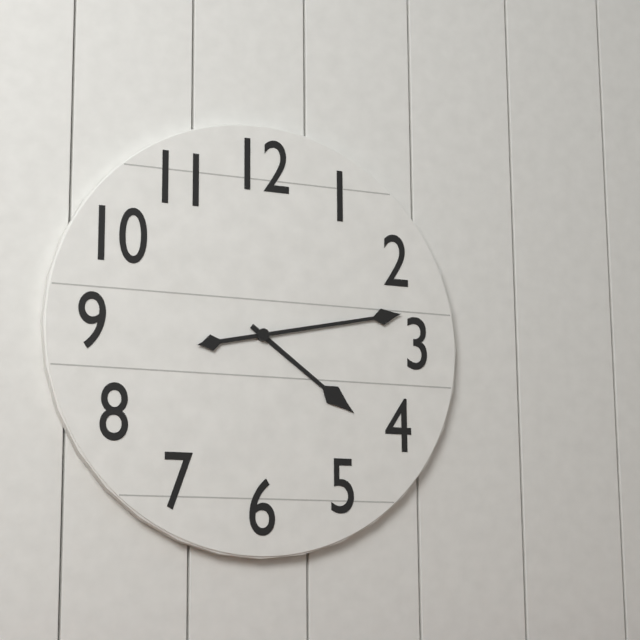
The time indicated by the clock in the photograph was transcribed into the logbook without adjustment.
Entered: 4:13
